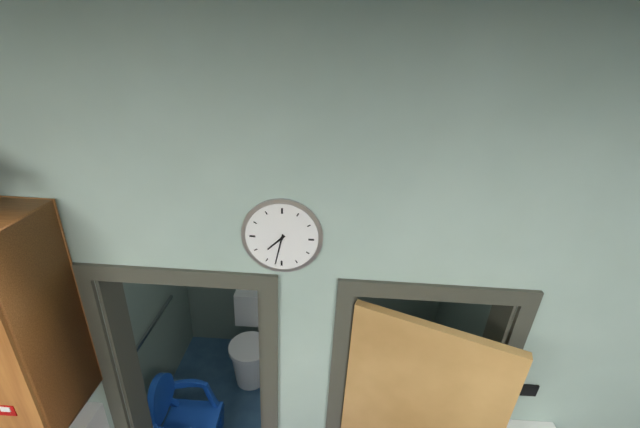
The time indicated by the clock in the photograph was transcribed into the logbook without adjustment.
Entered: 7:32
